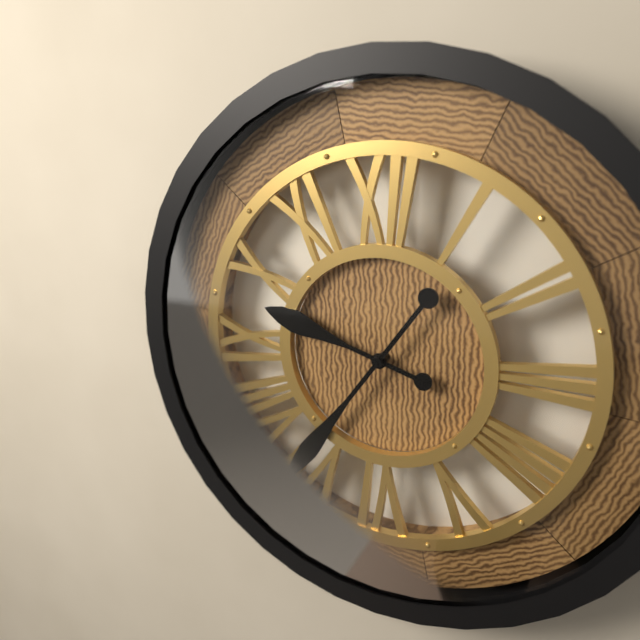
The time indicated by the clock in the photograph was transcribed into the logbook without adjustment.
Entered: 9:36
